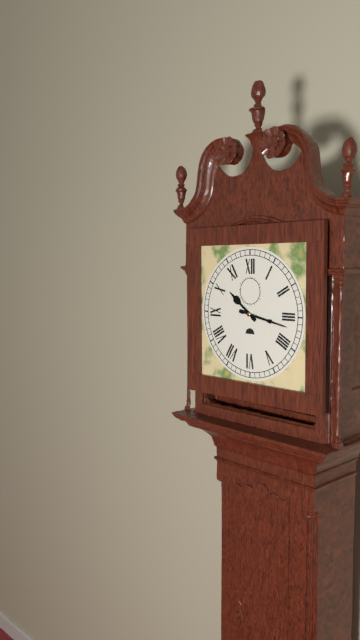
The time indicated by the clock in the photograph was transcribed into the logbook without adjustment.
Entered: 10:17
